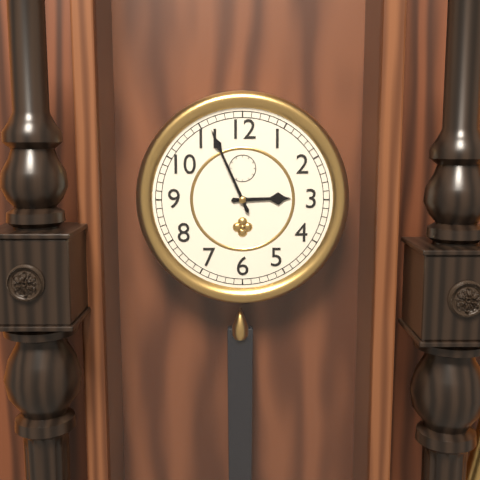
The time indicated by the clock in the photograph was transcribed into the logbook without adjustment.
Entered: 2:56
